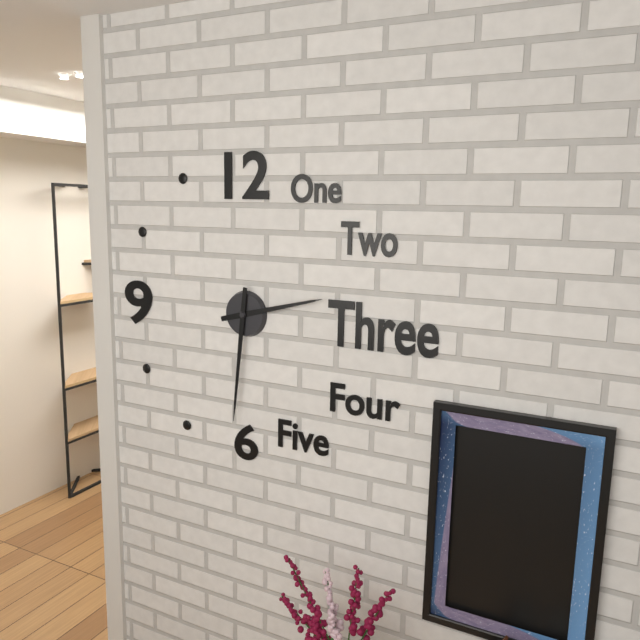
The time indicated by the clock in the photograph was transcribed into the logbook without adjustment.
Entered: 2:31
